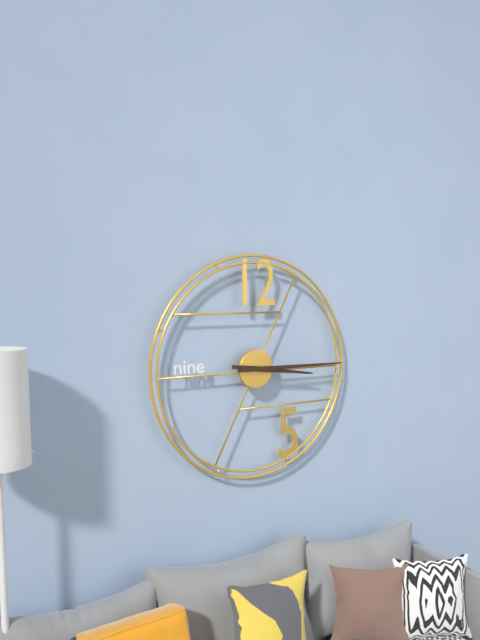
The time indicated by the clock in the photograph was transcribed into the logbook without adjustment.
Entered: 3:15
